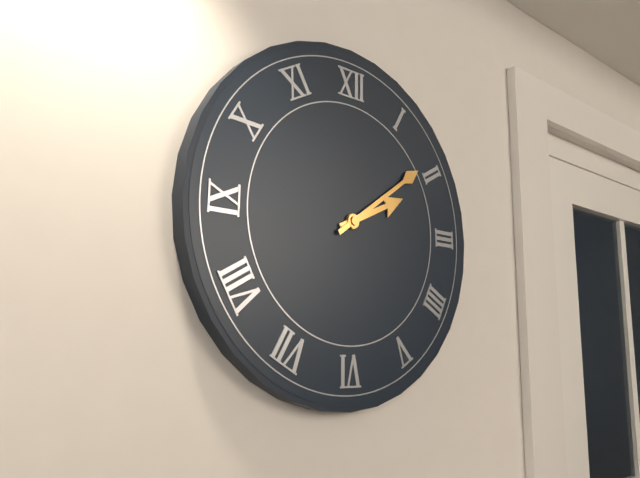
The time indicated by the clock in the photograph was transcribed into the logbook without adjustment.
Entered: 2:09
